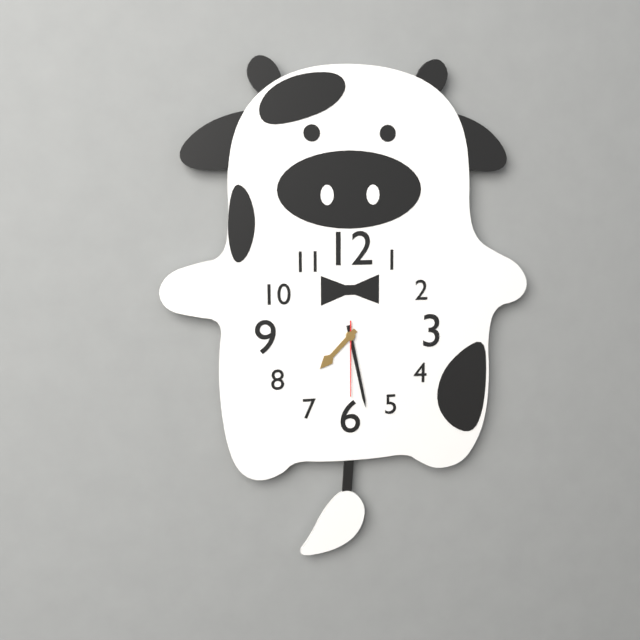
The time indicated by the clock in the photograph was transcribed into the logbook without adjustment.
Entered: 7:28:30
